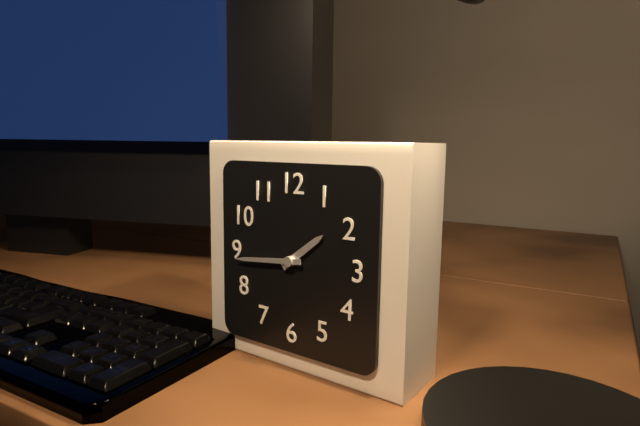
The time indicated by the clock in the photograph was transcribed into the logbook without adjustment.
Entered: 1:44
